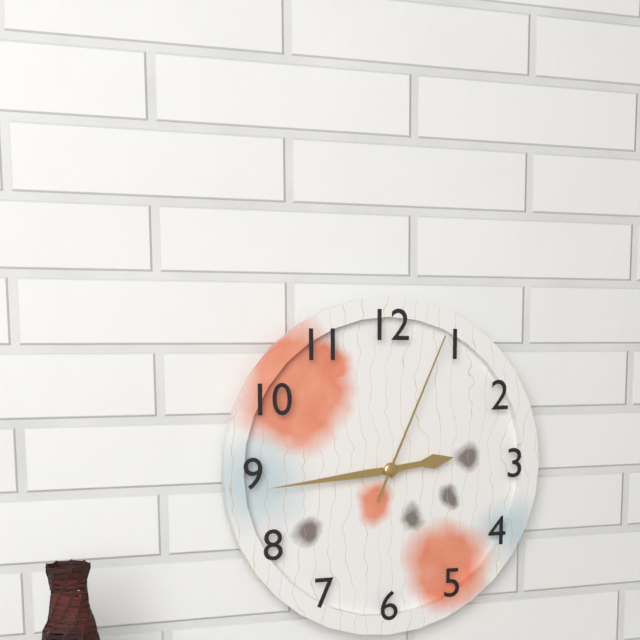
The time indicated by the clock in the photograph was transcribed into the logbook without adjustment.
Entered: 2:44:04
